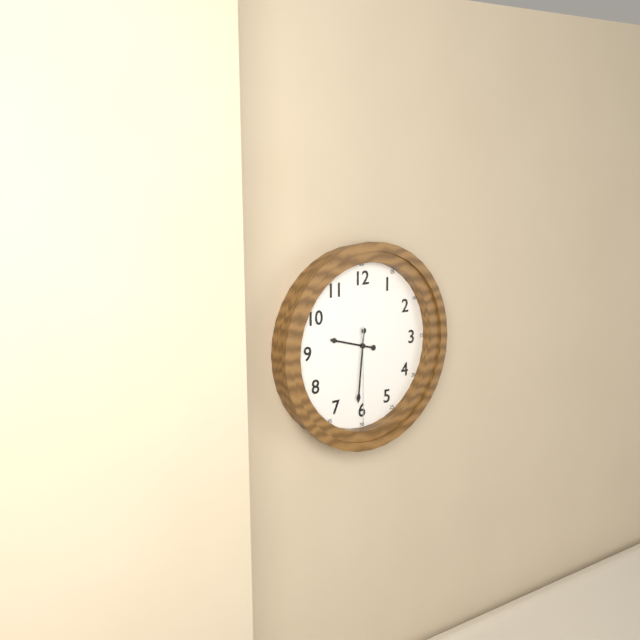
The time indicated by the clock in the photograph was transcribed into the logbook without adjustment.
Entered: 9:31:30
